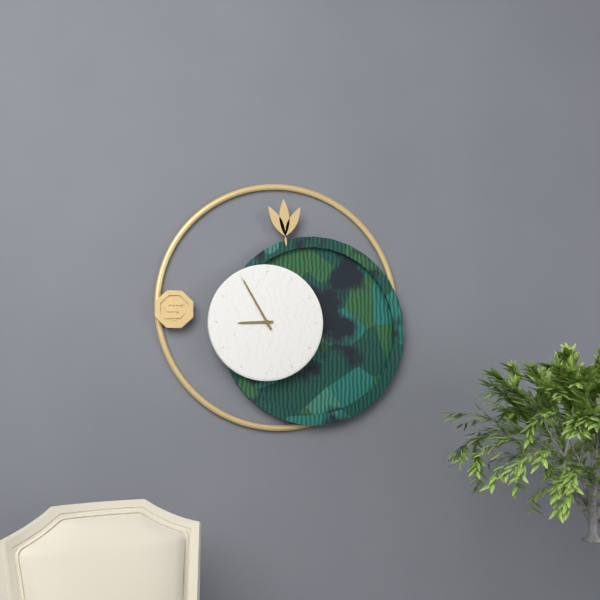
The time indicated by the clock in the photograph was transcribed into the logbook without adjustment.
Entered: 8:55
